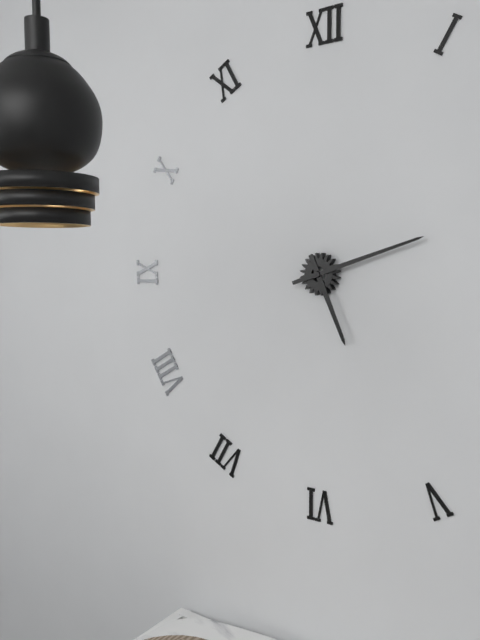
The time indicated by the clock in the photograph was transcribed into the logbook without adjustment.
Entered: 5:12
